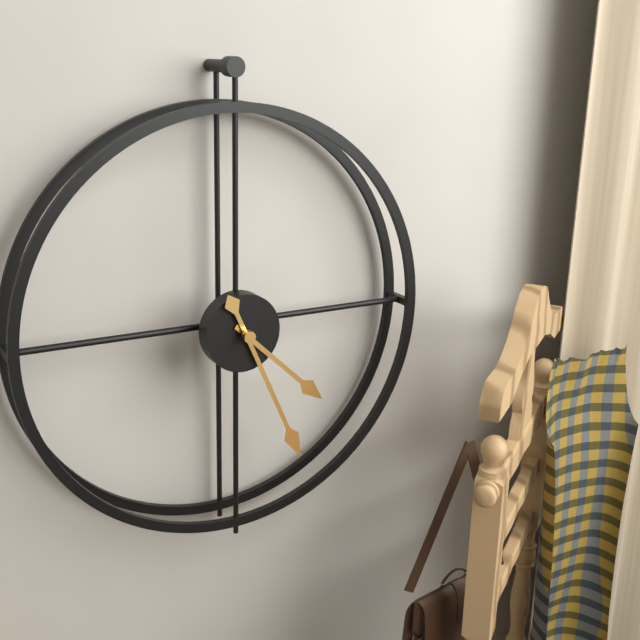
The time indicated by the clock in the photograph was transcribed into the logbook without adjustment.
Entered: 4:26
